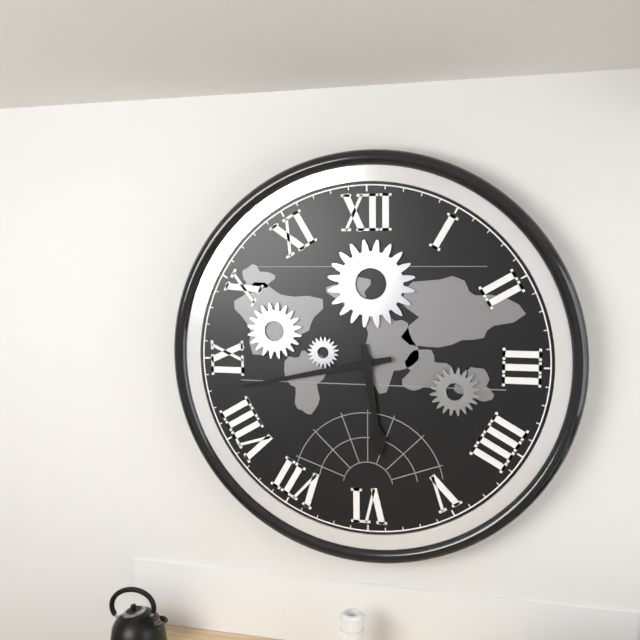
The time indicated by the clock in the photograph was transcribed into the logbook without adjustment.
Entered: 5:43
